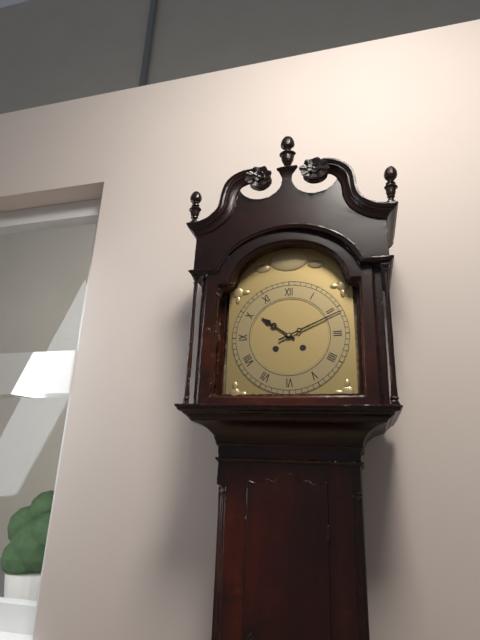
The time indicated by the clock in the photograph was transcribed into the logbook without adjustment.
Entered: 10:11
